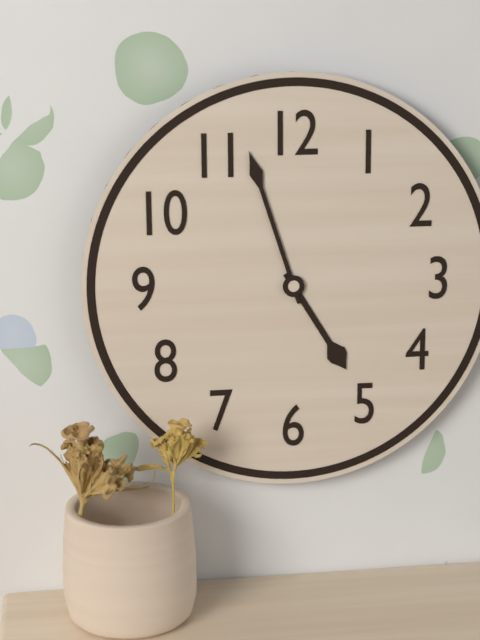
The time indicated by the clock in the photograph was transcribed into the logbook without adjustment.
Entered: 4:57
